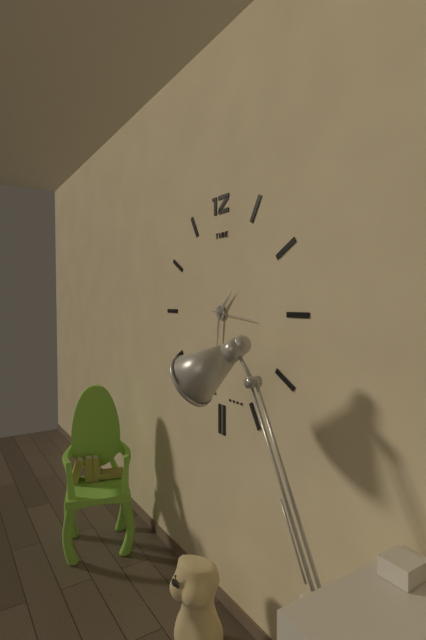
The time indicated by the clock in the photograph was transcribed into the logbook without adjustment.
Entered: 1:31
